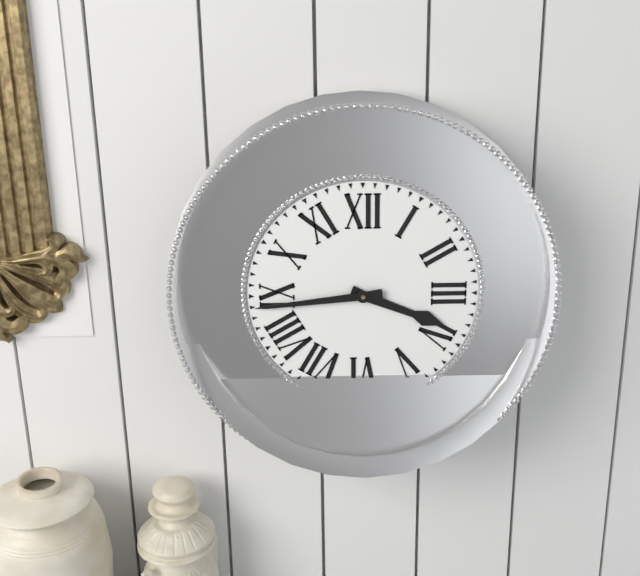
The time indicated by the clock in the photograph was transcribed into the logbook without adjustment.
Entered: 3:44
